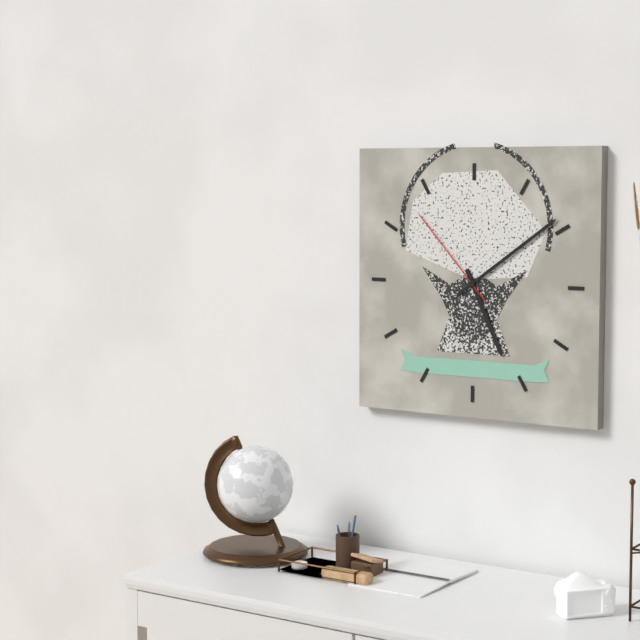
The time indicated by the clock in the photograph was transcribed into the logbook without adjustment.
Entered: 5:09:53
